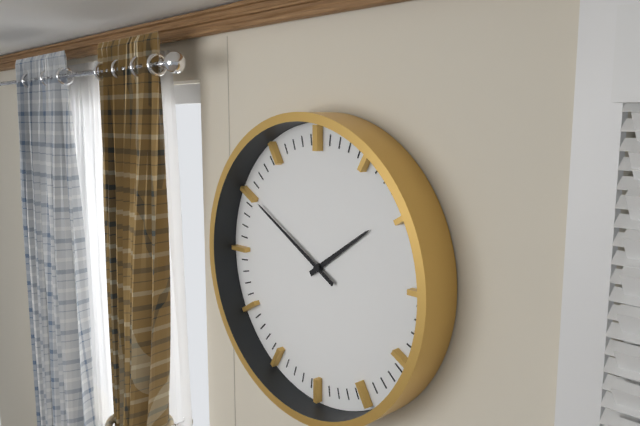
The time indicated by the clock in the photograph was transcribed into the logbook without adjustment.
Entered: 1:50
